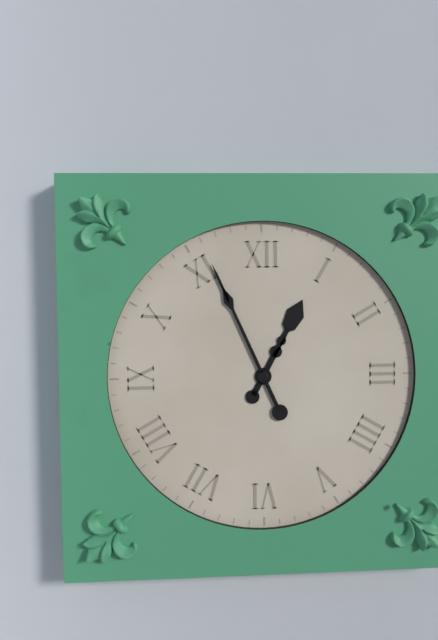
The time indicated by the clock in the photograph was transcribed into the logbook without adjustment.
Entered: 12:56
